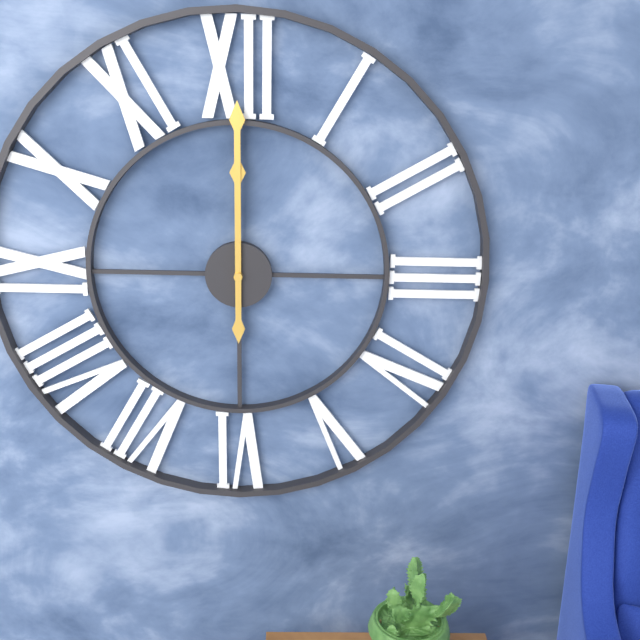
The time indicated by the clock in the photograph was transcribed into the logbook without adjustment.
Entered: 12:00
